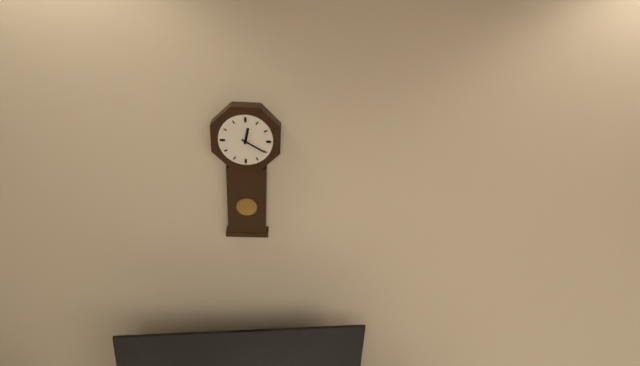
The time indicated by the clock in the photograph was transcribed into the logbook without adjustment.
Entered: 12:20
